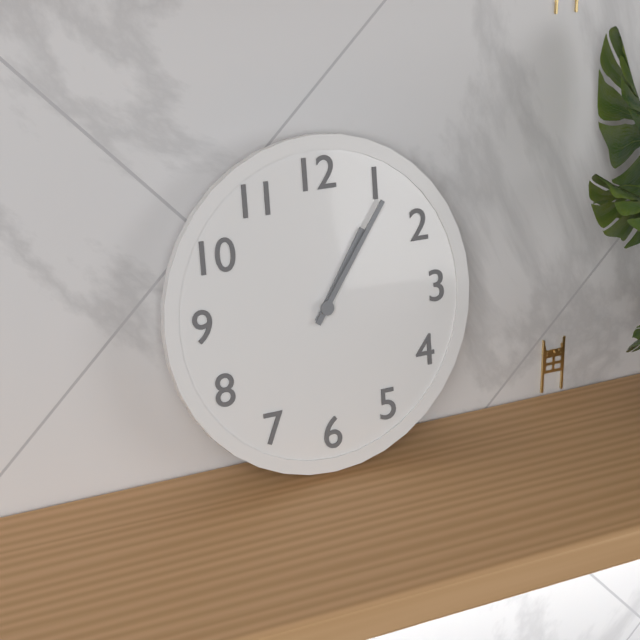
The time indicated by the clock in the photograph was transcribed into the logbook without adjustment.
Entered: 1:06
